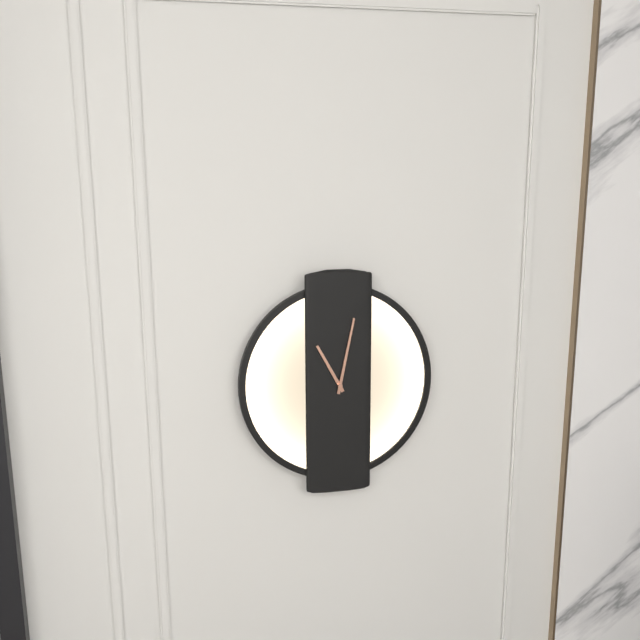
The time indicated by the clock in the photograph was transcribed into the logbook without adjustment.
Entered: 11:02
